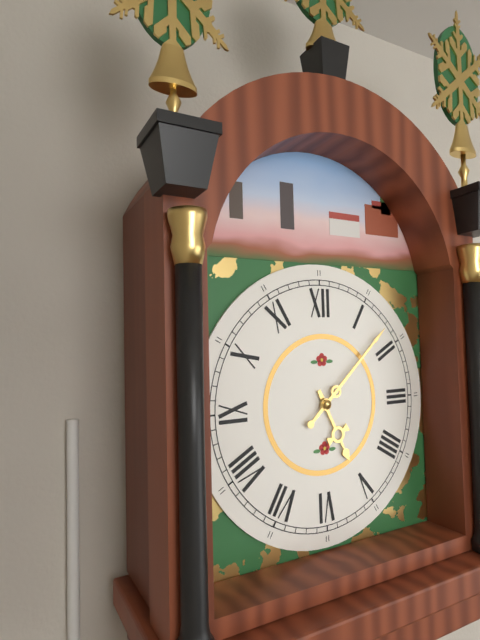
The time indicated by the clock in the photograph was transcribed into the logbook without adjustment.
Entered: 5:08
